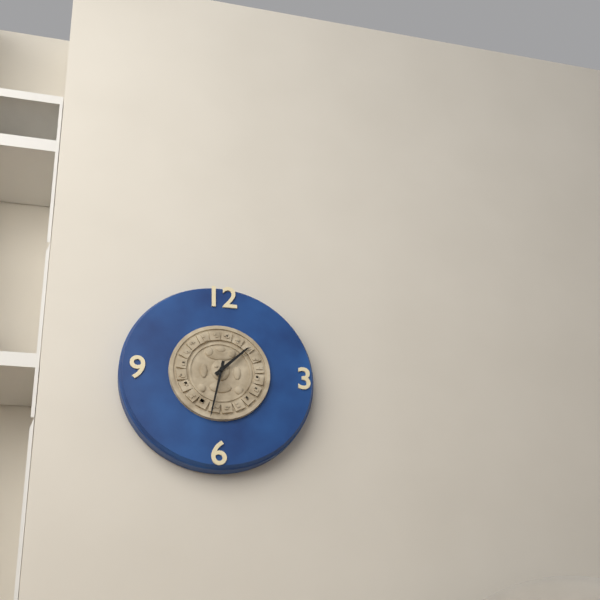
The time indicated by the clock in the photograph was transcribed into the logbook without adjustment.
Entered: 1:32
